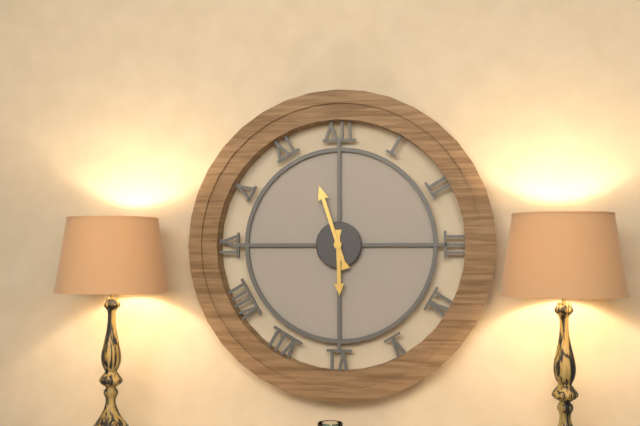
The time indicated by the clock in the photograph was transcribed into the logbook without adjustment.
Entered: 5:57
